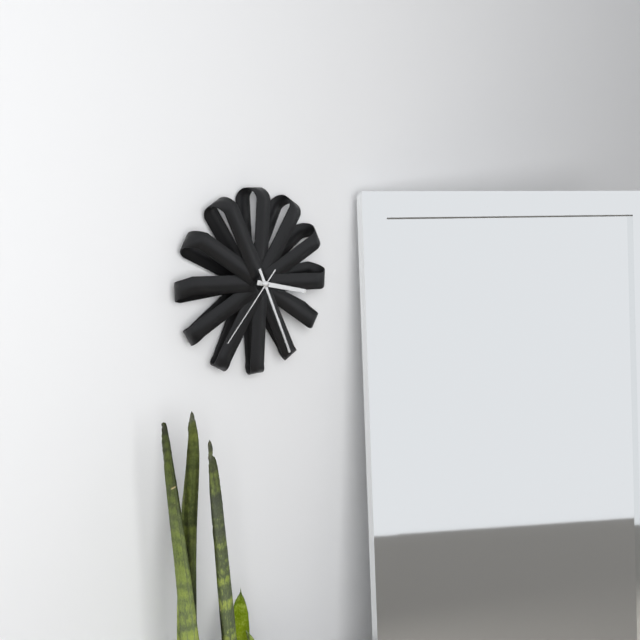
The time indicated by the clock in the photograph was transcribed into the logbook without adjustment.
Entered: 3:26:37
